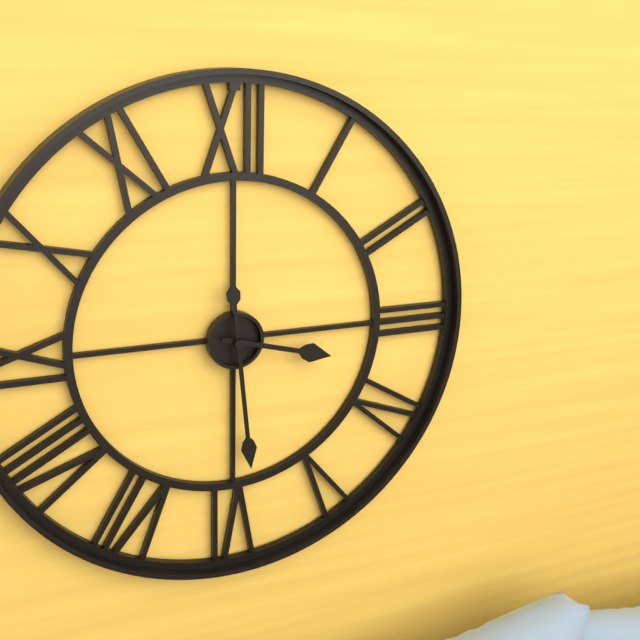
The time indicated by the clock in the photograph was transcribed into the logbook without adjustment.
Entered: 3:29
